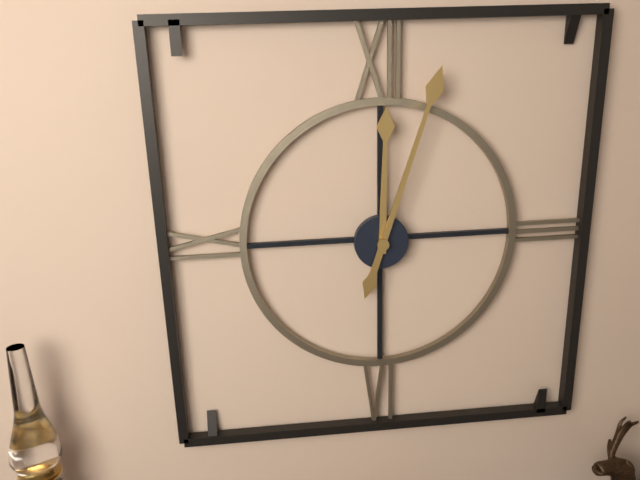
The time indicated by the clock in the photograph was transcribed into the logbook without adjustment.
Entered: 12:03
